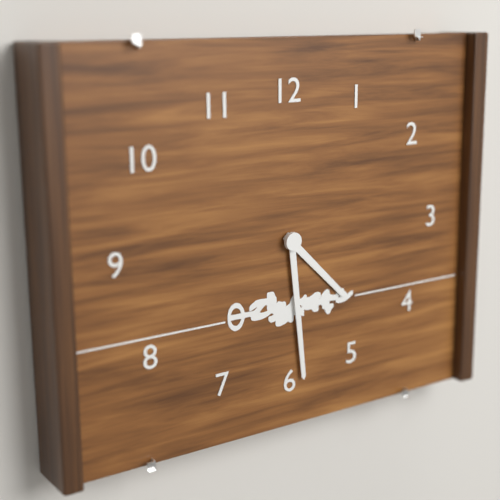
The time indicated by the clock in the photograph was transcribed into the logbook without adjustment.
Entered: 4:29
